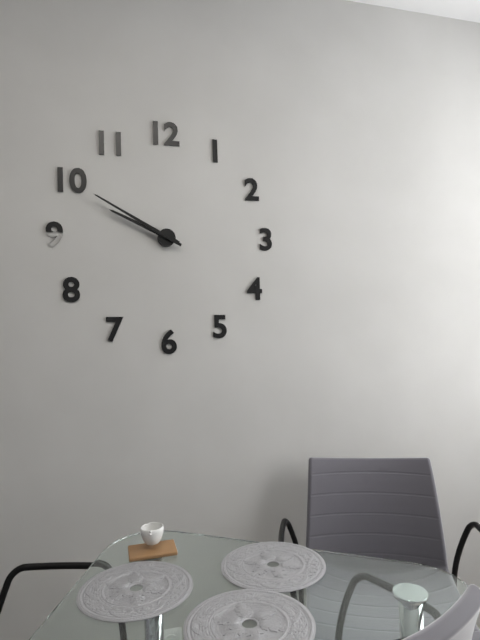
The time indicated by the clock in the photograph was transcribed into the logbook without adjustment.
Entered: 9:50
